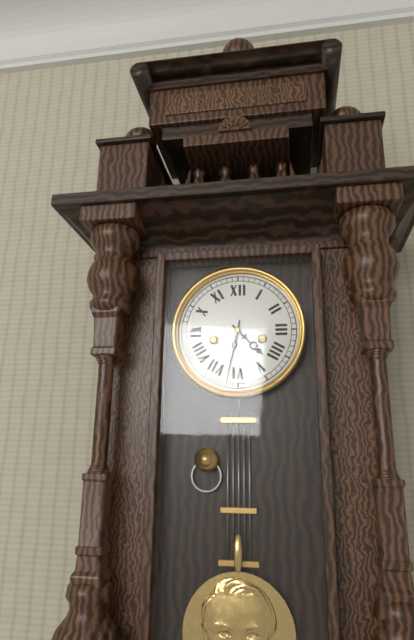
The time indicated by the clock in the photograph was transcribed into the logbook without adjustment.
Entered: 4:32
